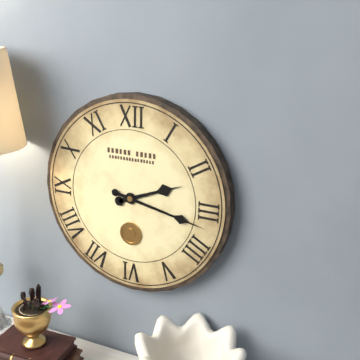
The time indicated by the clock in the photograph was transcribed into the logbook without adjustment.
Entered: 2:17
